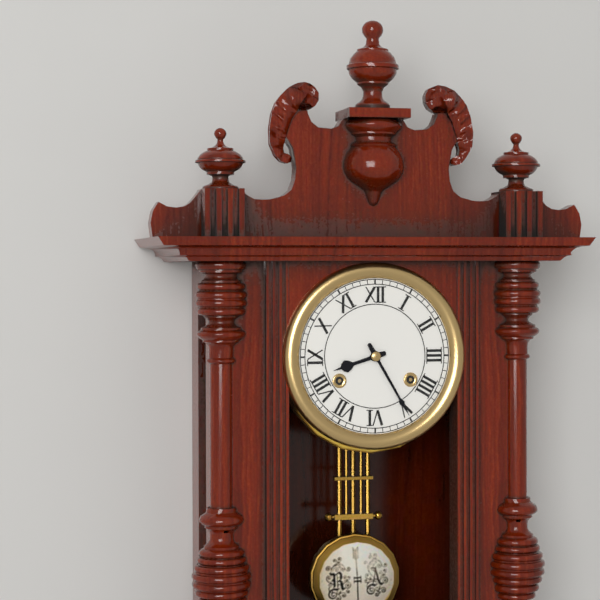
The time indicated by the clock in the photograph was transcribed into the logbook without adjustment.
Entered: 8:25
